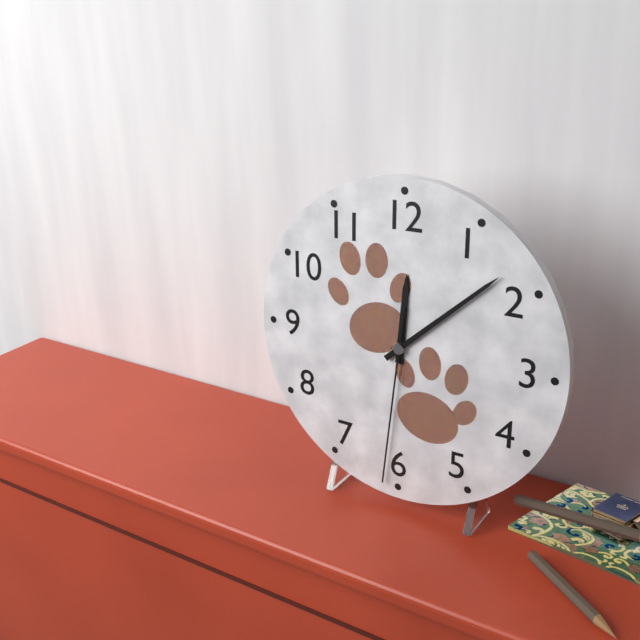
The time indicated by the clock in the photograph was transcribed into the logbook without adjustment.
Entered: 12:08:31
